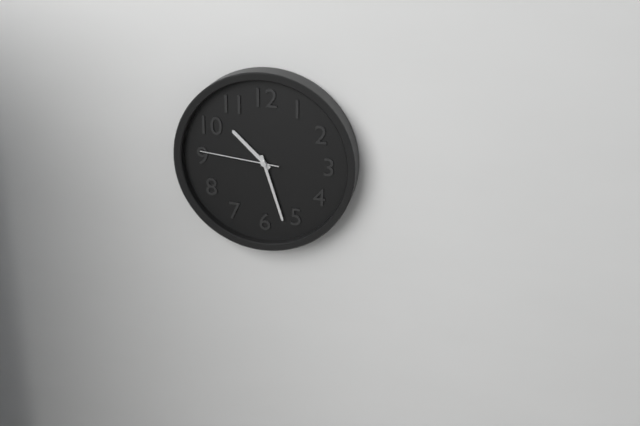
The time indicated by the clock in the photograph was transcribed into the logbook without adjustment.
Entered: 10:27:46
